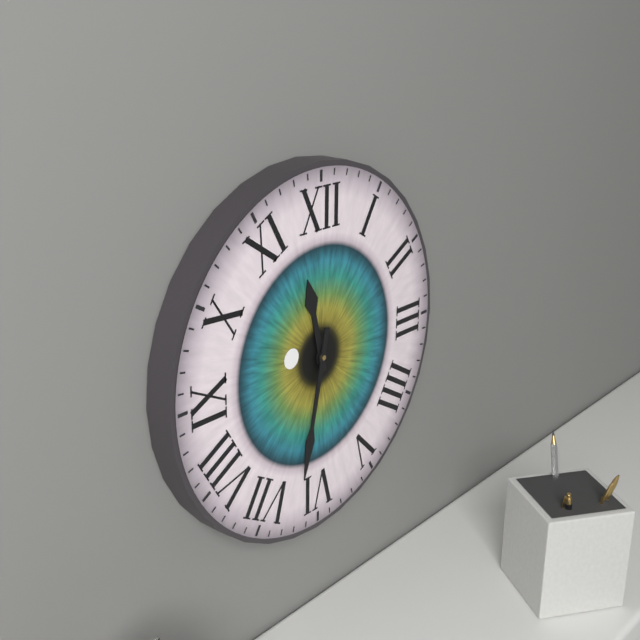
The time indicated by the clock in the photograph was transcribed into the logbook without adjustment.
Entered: 11:32
